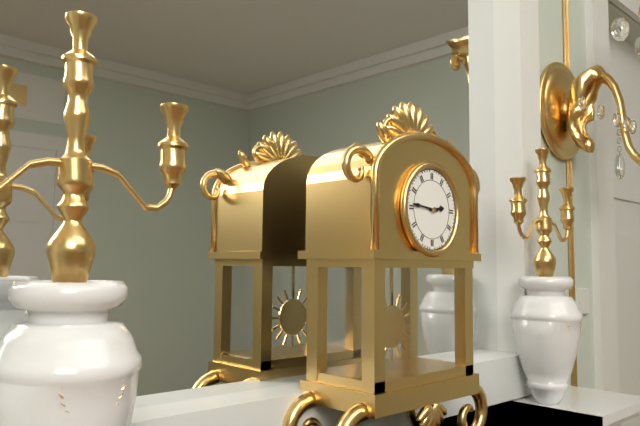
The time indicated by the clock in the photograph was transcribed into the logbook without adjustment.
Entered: 2:46
